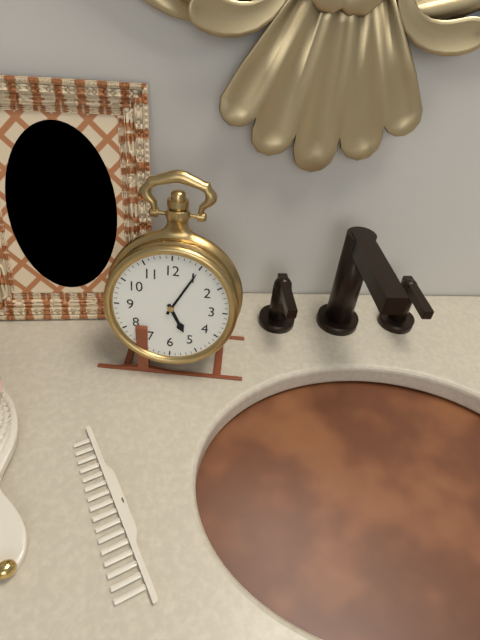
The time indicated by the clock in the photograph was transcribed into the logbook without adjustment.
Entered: 5:05
